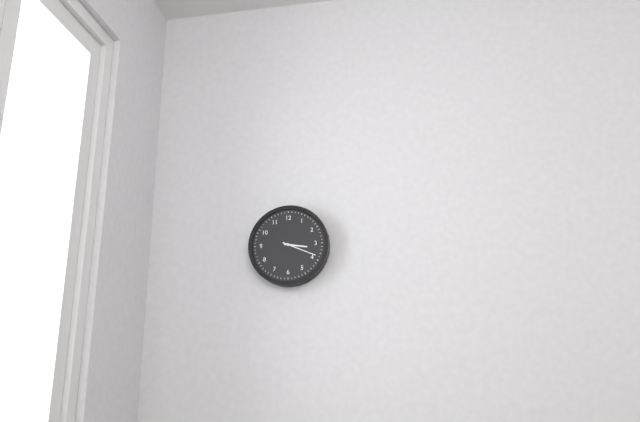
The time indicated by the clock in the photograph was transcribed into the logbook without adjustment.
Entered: 3:19
